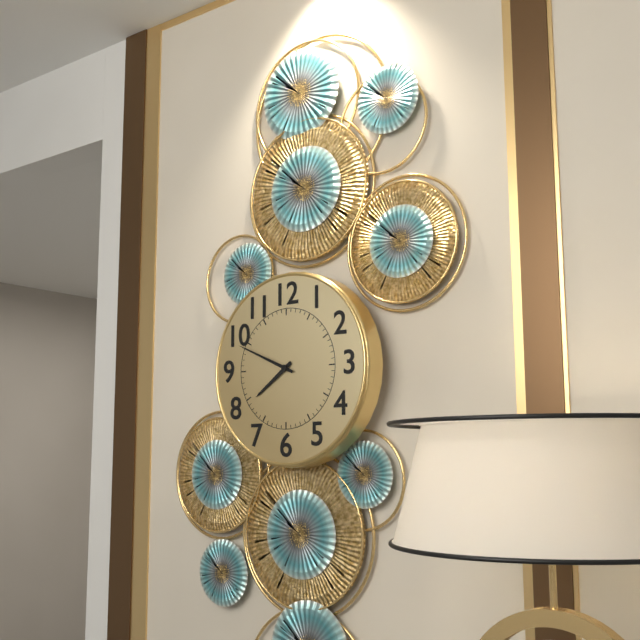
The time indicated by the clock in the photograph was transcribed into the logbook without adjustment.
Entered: 7:49
